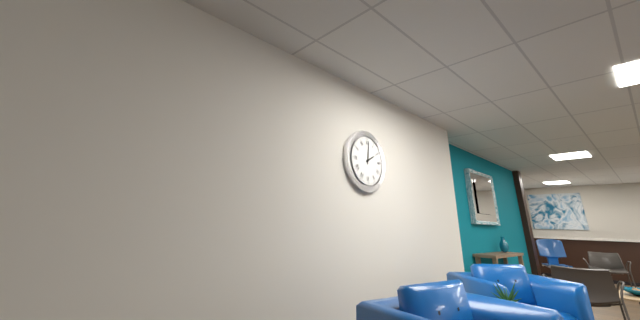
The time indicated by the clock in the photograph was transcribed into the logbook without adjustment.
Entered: 2:01
